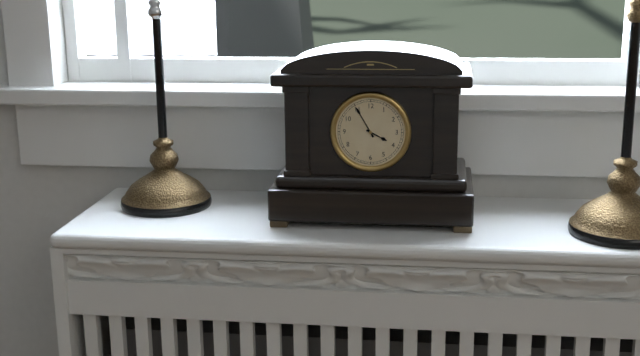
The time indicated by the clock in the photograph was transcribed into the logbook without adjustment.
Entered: 3:55
